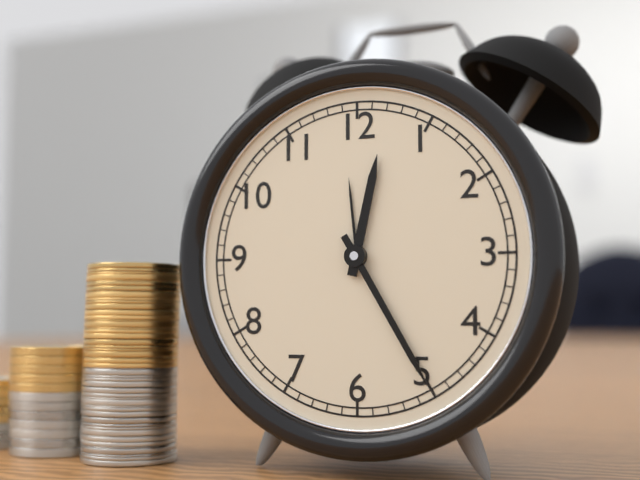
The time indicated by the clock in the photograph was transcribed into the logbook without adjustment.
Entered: 12:25
